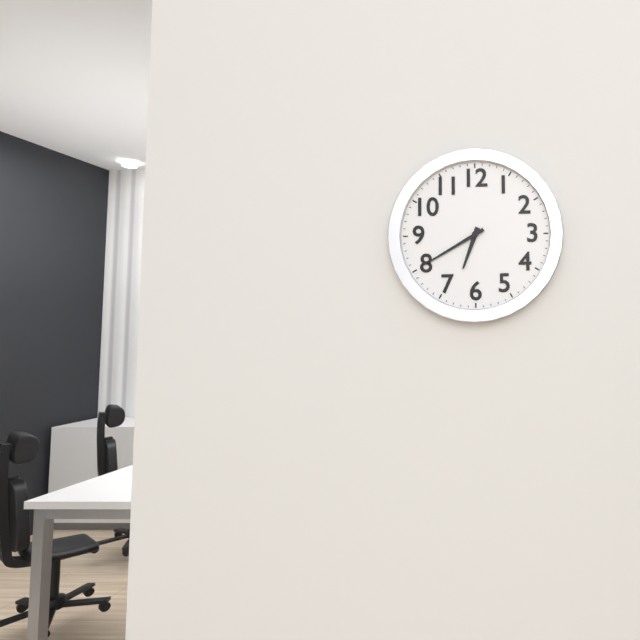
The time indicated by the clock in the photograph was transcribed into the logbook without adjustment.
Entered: 6:40
